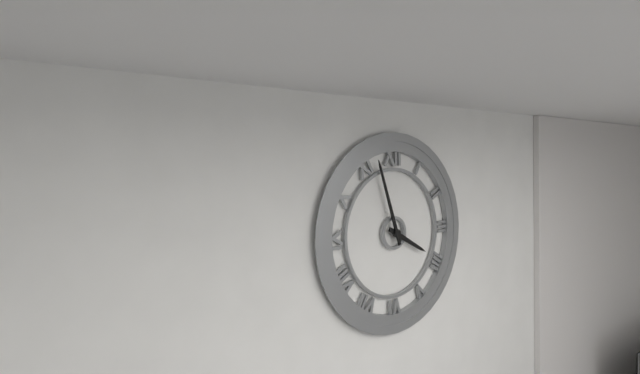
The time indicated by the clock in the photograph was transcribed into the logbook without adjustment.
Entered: 3:57
